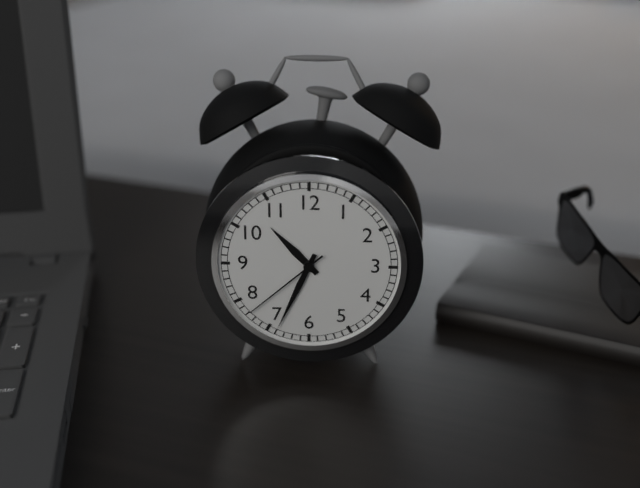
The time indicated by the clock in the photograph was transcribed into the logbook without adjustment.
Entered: 10:34:38
